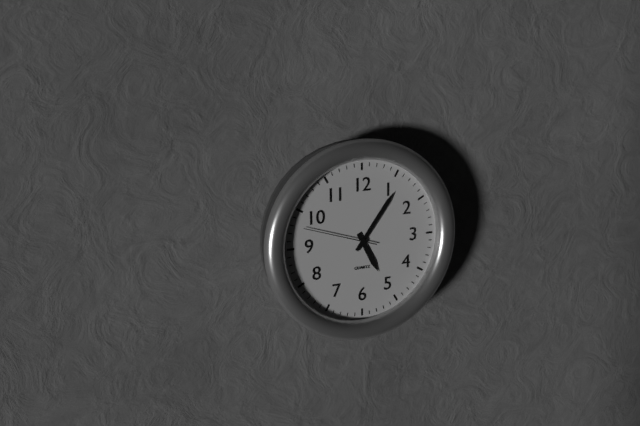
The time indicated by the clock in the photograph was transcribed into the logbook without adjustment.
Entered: 5:06:48
